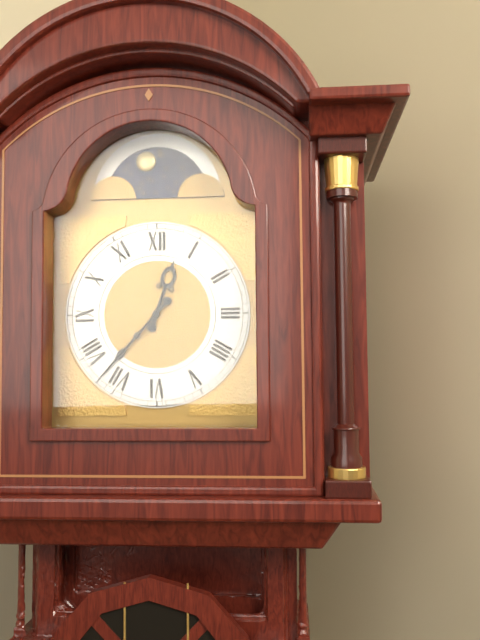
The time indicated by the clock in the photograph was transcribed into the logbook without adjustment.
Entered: 12:37
